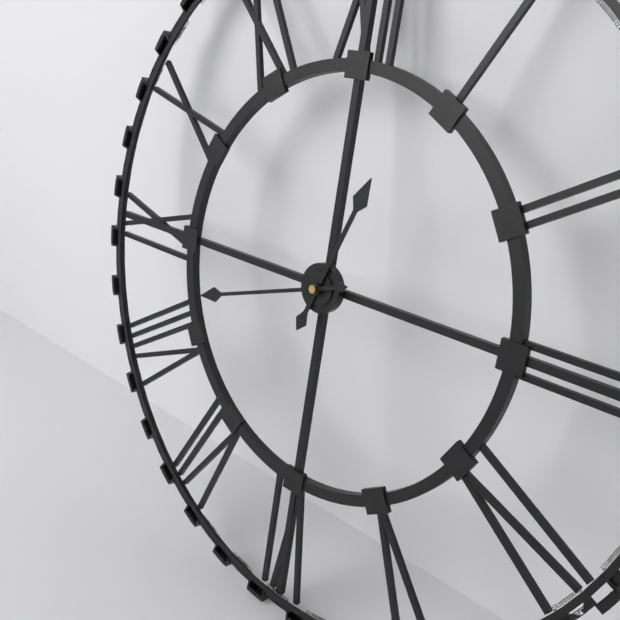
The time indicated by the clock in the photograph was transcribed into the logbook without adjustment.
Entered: 12:42
